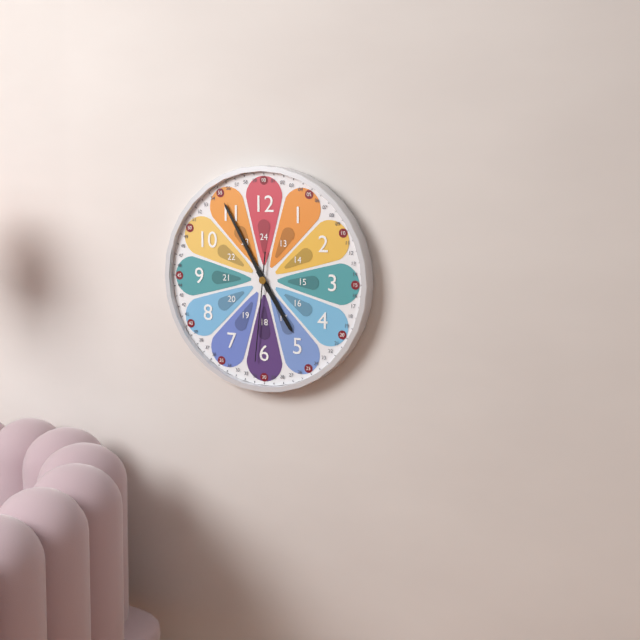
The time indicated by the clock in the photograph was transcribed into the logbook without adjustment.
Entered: 4:55:31
